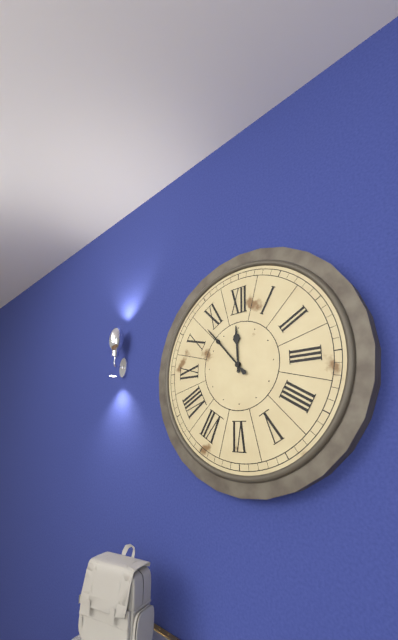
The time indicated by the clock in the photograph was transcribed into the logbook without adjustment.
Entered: 11:53
